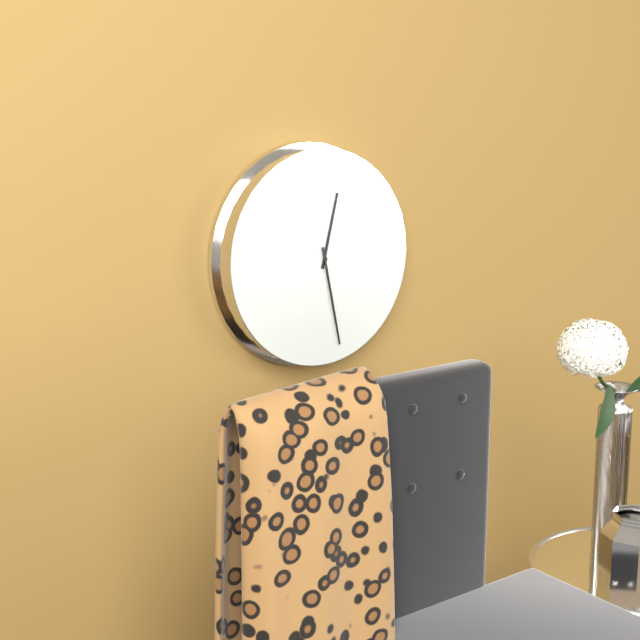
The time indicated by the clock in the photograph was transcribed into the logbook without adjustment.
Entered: 12:28
